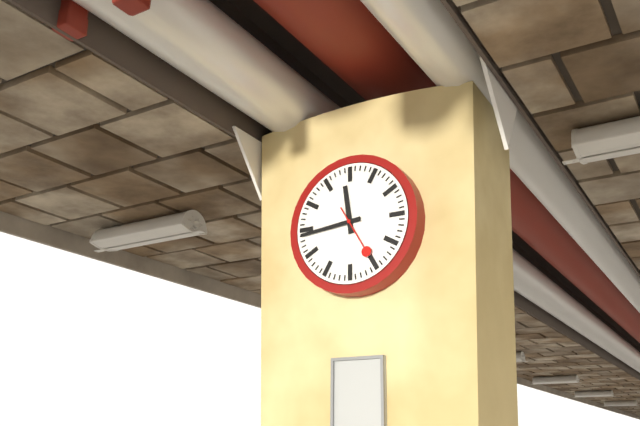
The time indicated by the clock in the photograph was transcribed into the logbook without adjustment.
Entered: 11:44
